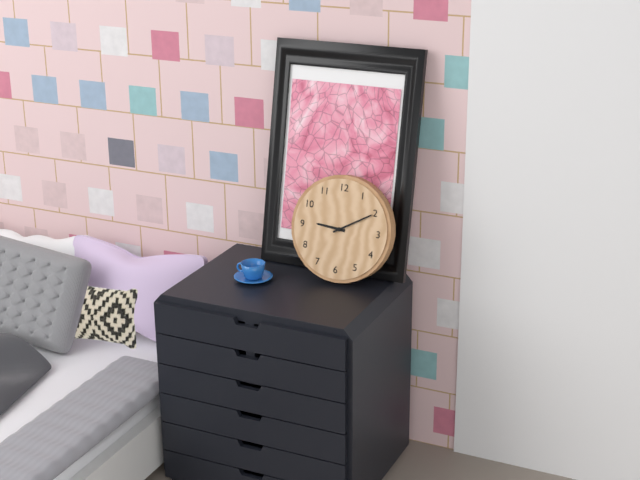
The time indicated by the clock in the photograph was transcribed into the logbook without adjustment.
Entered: 9:10
